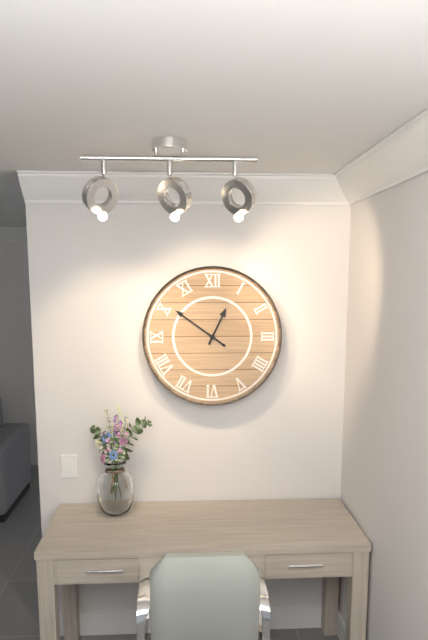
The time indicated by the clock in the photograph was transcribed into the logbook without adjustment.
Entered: 12:51
